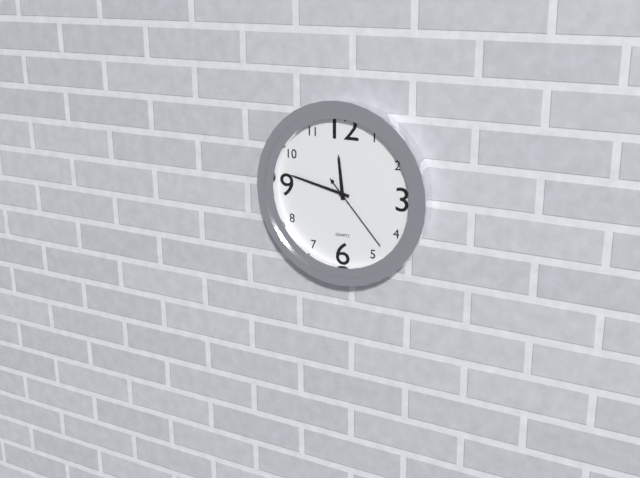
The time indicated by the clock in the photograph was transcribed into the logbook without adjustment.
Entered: 11:47:23
